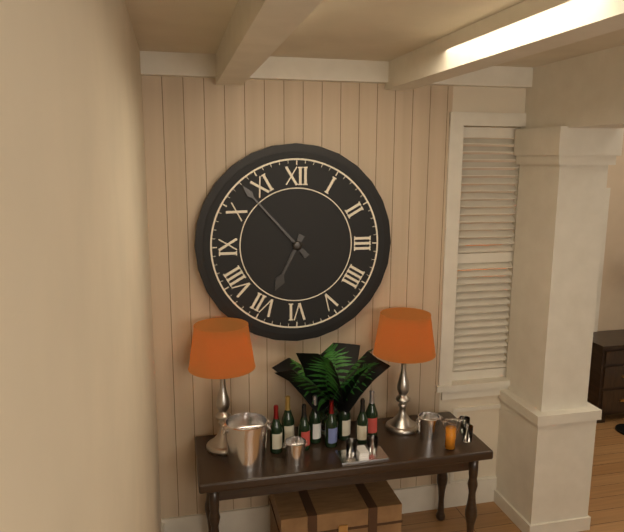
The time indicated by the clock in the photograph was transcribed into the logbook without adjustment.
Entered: 6:53
